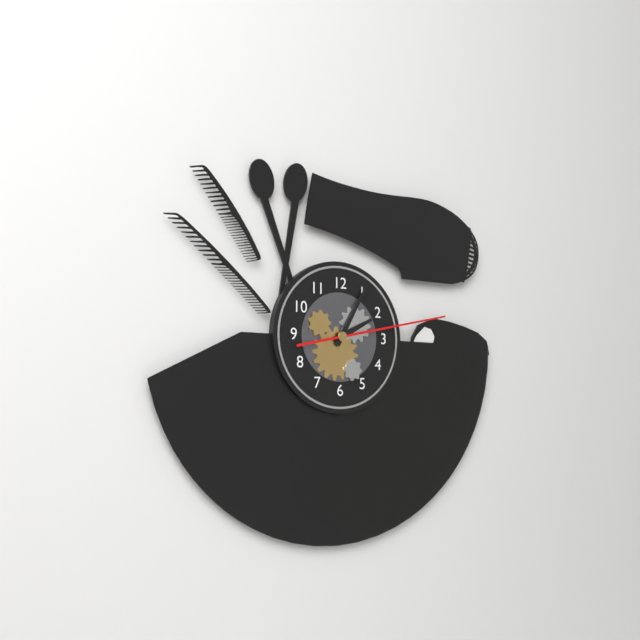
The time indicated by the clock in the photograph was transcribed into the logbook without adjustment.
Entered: 2:05:13
